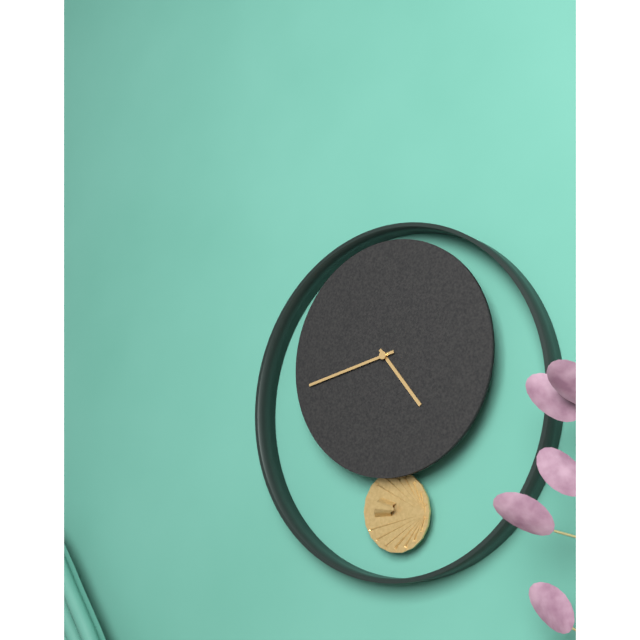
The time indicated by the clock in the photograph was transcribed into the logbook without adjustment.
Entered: 4:43
